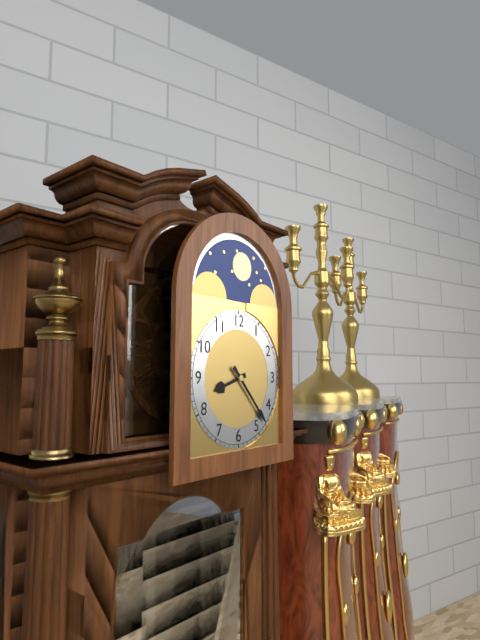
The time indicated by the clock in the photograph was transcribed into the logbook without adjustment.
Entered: 8:23
